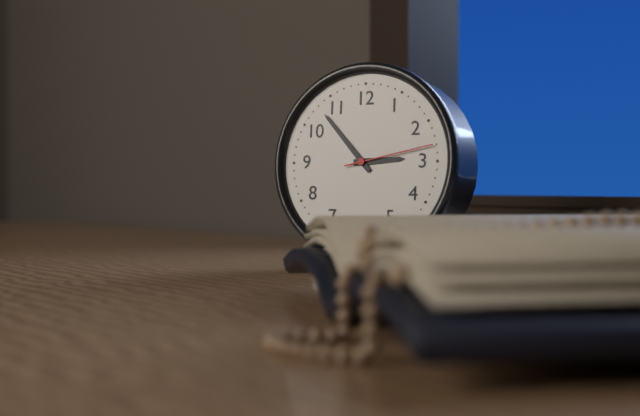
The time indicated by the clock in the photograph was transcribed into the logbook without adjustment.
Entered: 2:53:13
